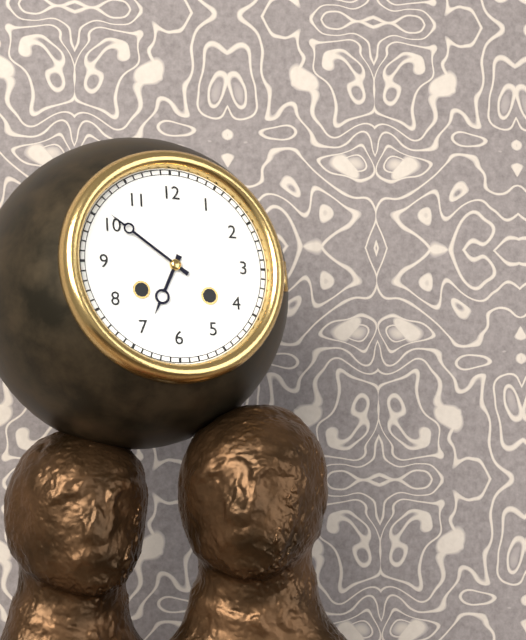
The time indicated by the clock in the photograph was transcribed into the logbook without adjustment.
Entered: 6:51
